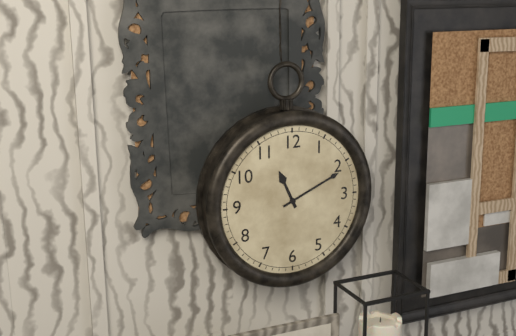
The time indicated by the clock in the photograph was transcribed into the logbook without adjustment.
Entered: 11:11
